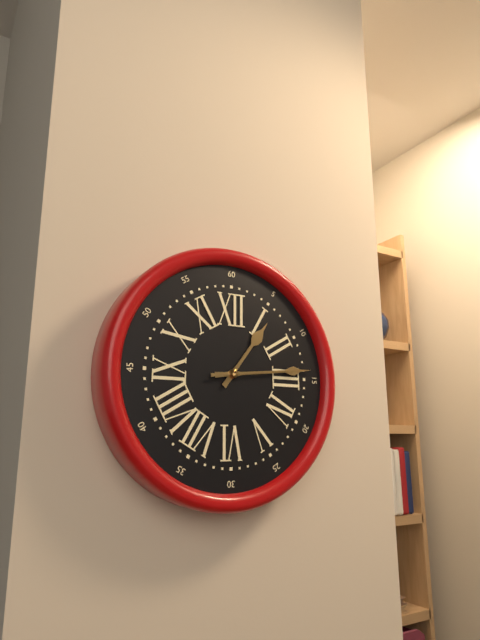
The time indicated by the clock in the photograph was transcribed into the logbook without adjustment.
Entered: 1:14:14
